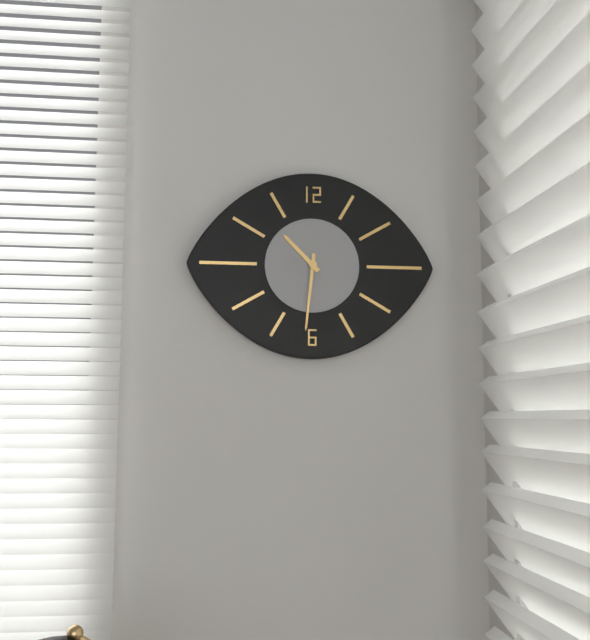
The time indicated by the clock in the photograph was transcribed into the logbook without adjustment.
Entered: 10:31
